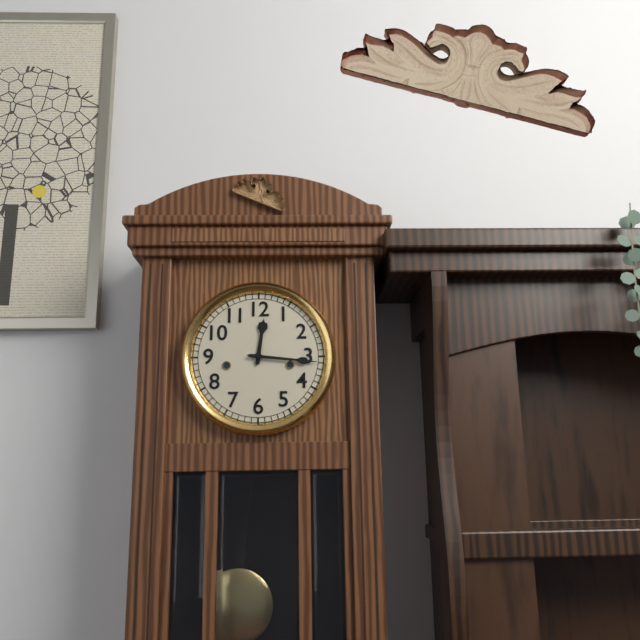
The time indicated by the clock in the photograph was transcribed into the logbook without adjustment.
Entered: 12:16
